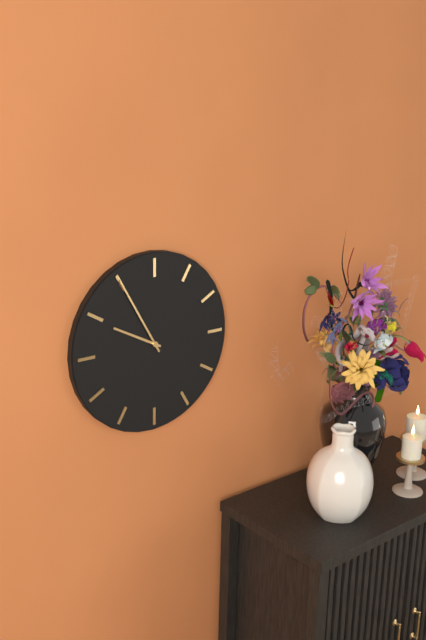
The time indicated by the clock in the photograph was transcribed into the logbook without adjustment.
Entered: 9:55
